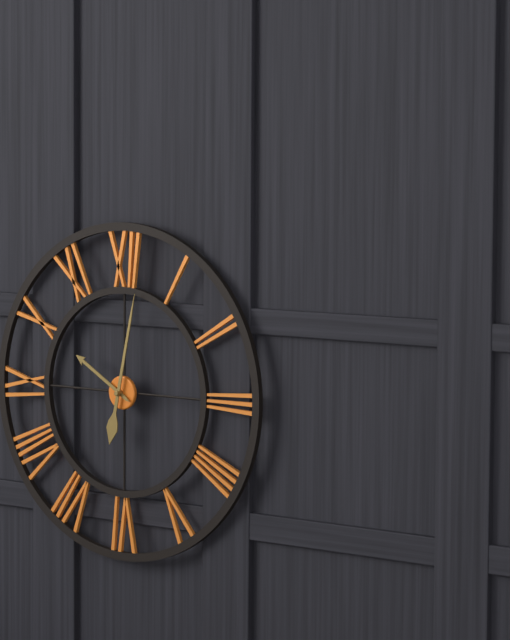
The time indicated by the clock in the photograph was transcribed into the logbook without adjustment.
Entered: 10:02
